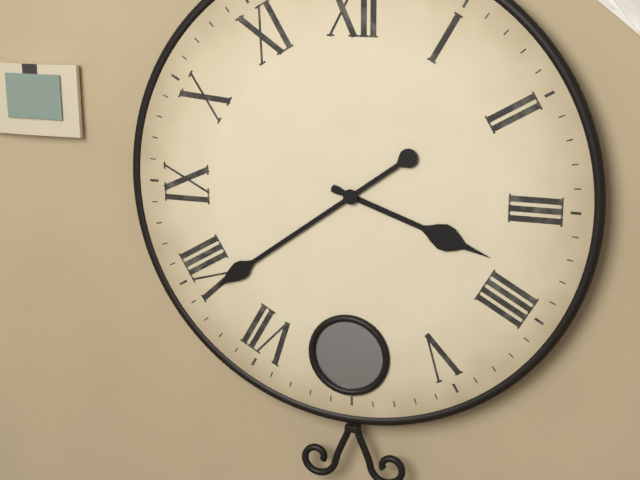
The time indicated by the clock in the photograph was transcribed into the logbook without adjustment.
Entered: 3:39
